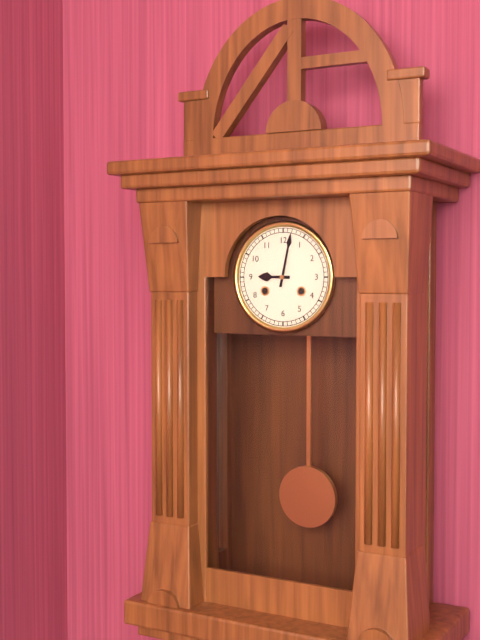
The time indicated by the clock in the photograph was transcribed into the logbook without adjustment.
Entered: 9:02
